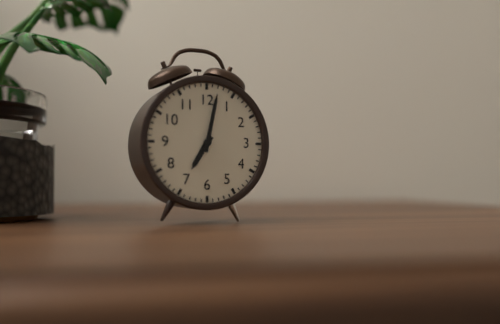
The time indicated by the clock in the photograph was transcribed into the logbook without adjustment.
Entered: 7:02
